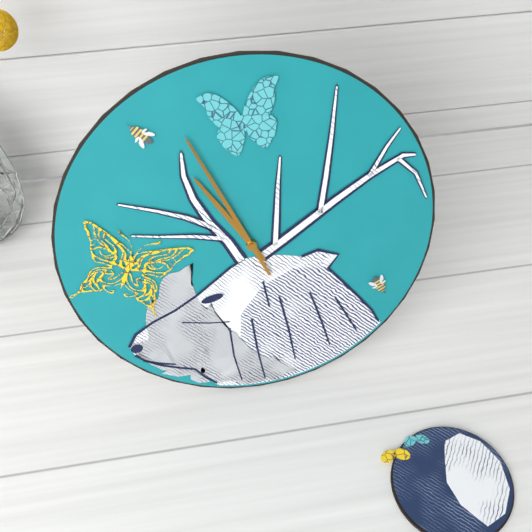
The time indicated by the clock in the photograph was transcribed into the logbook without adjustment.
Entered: 10:56
